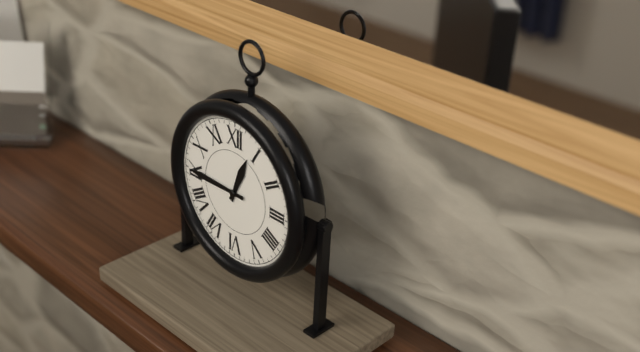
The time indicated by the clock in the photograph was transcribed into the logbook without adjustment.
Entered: 12:45
